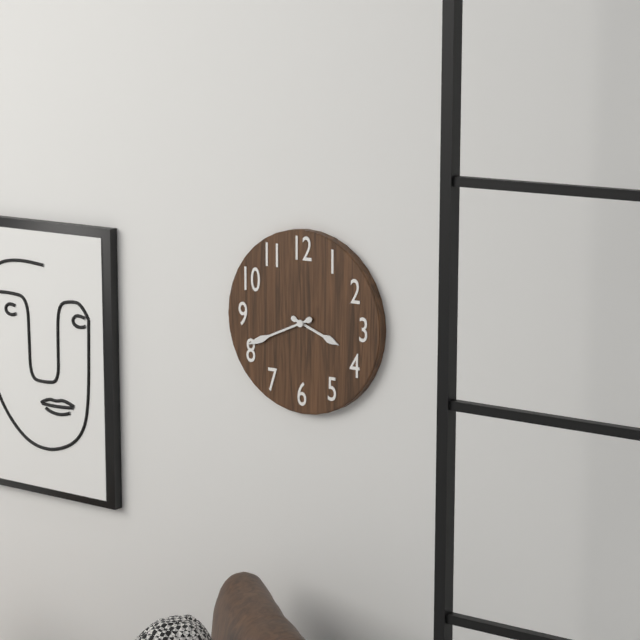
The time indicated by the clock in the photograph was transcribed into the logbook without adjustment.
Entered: 3:41
